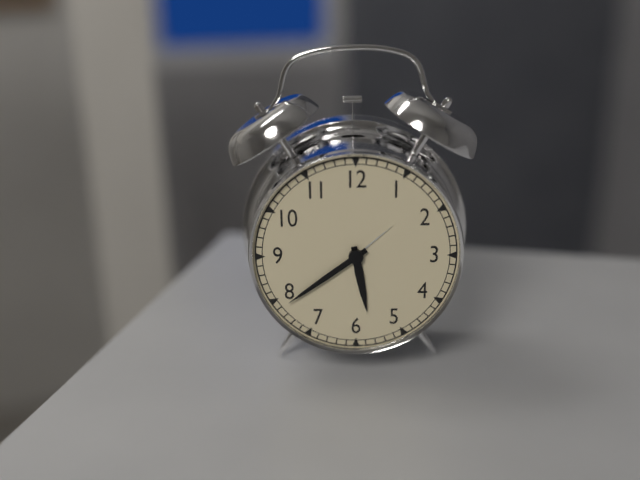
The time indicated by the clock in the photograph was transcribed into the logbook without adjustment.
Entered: 5:39
